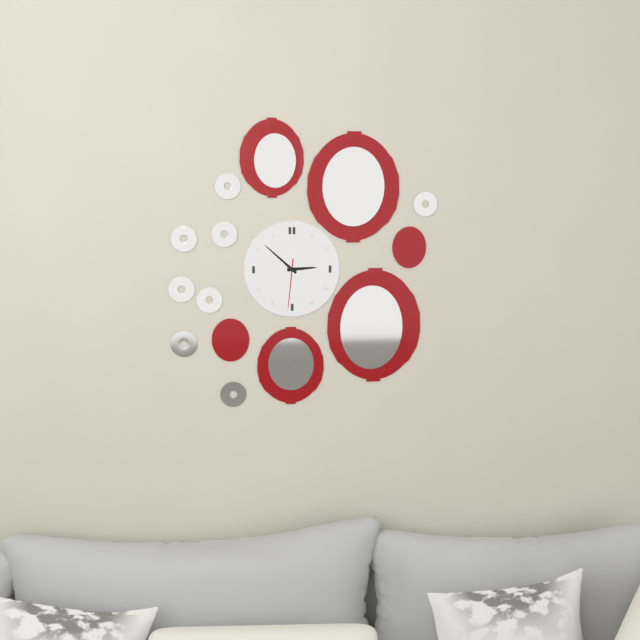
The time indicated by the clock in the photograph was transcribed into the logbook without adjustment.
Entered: 2:52:31
